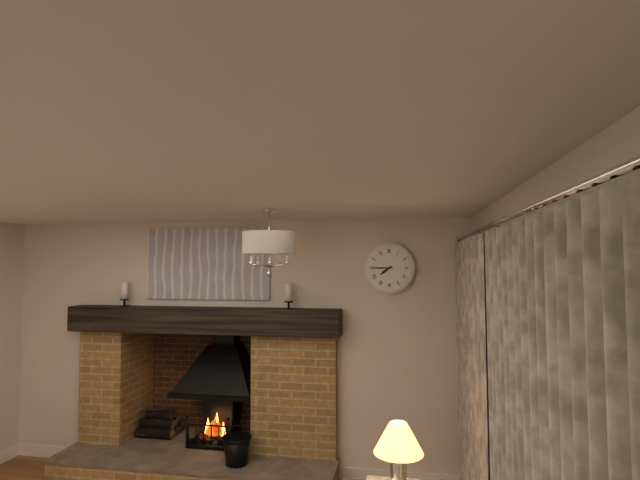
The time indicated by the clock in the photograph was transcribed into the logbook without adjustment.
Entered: 7:45
